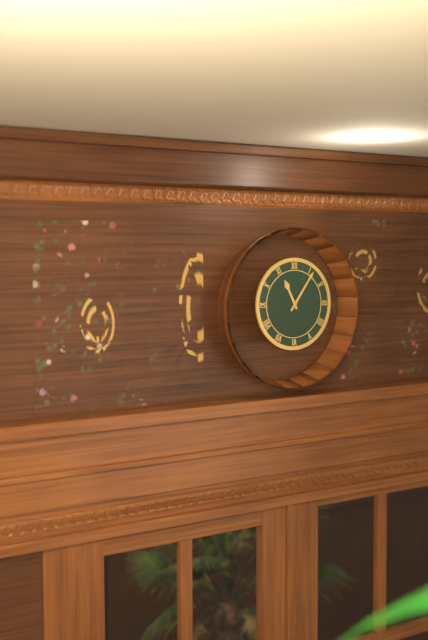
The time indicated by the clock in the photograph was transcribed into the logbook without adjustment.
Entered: 11:06
